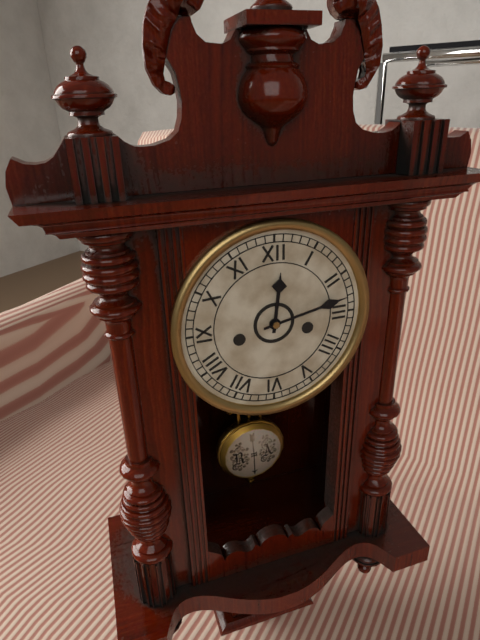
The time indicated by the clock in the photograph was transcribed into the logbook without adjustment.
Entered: 12:13
